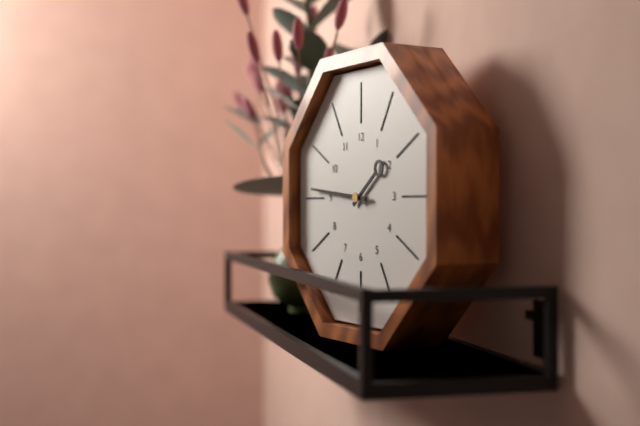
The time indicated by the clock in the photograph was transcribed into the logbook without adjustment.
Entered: 1:46
